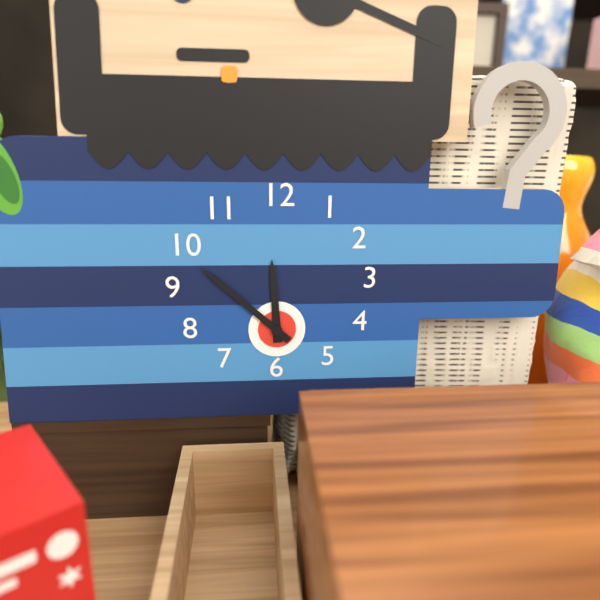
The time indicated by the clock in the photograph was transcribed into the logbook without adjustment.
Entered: 11:52
